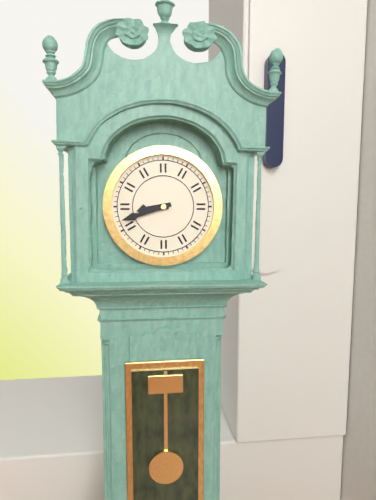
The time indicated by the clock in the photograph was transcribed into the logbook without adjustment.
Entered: 8:42
